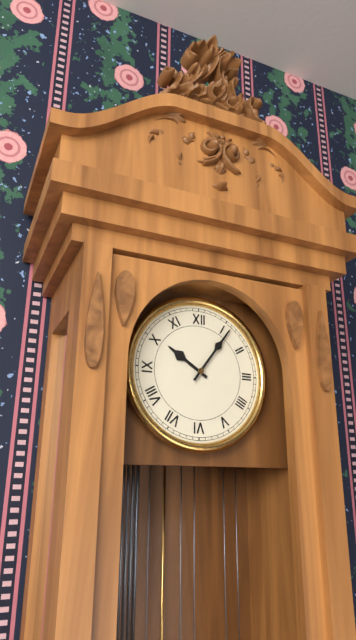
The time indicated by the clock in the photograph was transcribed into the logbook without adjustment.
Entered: 10:06
